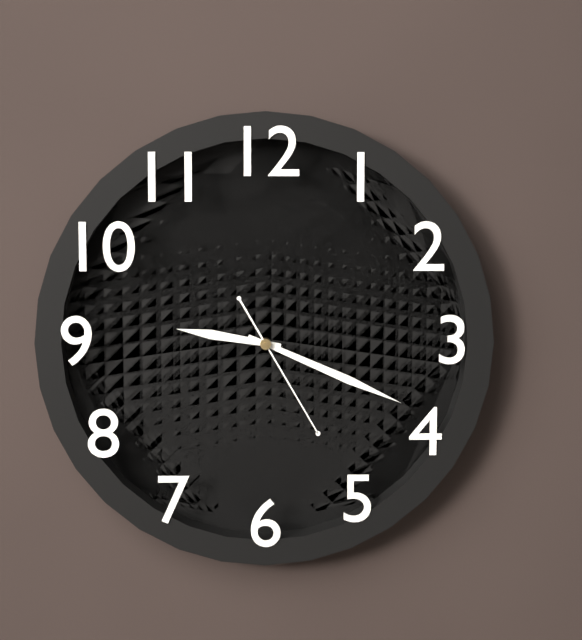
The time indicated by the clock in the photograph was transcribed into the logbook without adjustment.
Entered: 9:19:25
